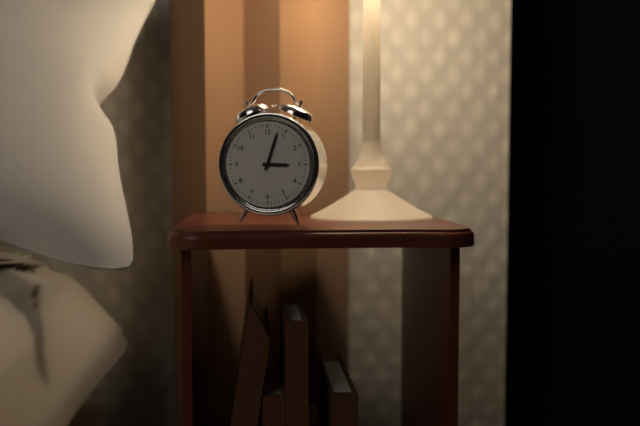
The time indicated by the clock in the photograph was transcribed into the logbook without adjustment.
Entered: 3:03
